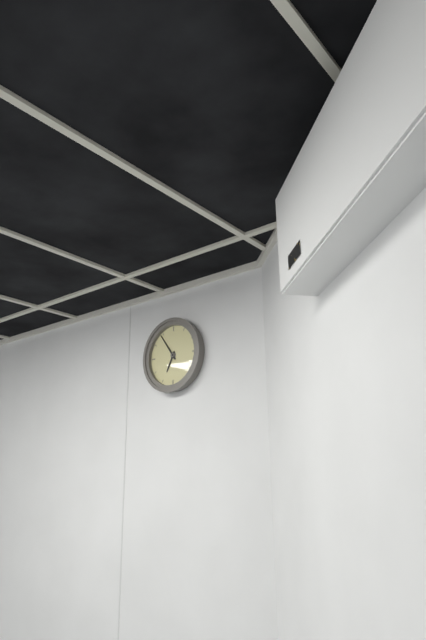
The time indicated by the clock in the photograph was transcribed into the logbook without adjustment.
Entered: 6:54
